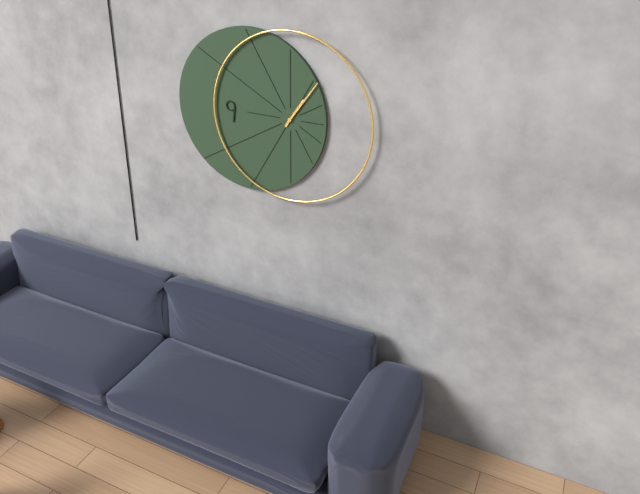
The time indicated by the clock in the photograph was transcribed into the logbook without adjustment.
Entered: 1:06
